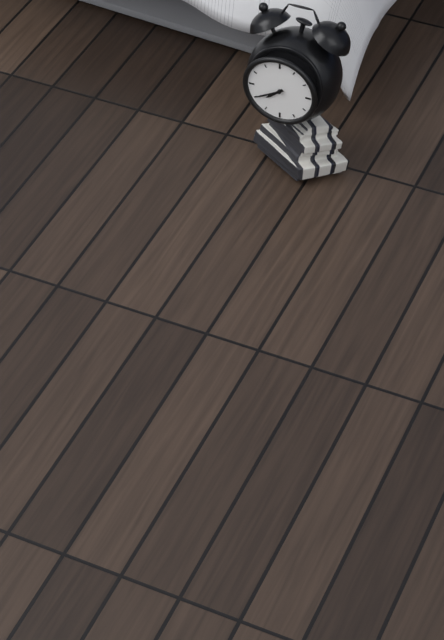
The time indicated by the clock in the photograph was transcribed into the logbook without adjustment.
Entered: 7:40
